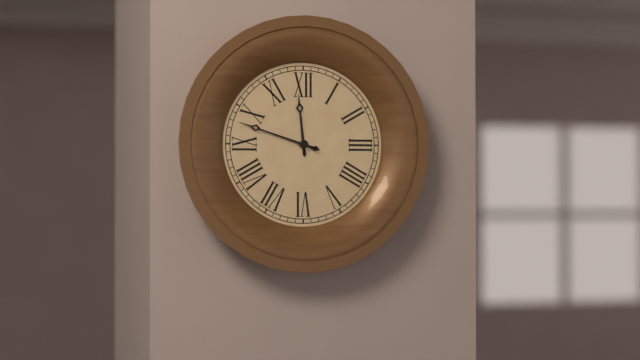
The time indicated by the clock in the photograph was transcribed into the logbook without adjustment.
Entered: 11:48
